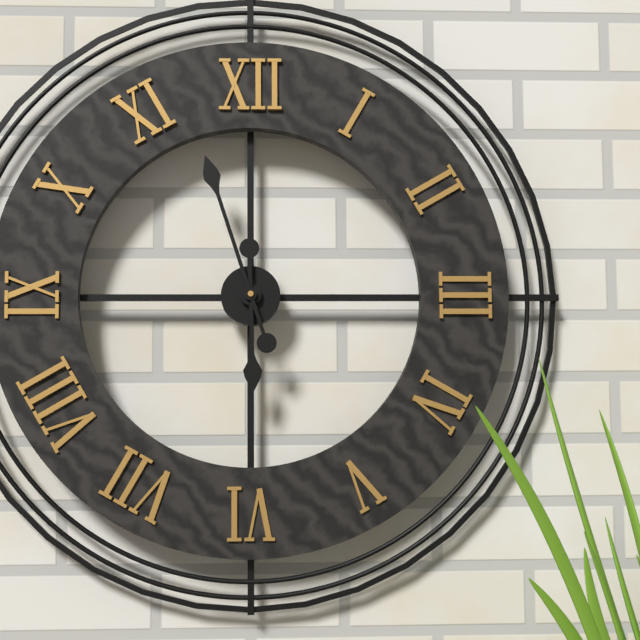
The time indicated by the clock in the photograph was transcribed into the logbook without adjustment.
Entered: 5:57
